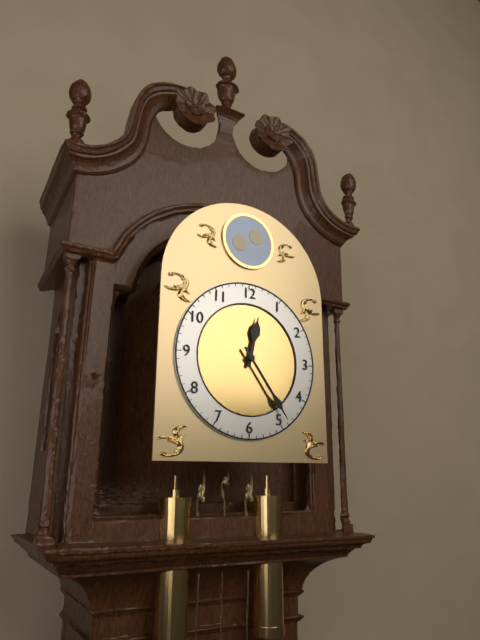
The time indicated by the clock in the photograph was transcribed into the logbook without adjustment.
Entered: 12:24
